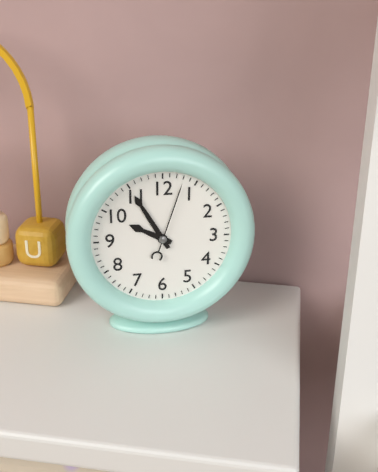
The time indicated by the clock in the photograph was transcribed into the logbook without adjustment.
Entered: 9:55:03
